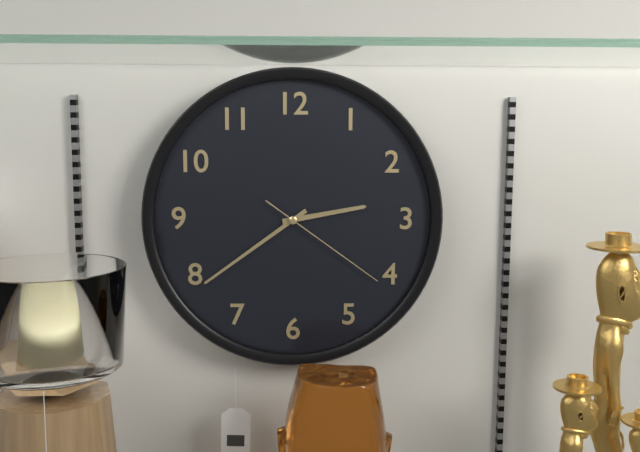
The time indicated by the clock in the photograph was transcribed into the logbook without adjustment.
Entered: 2:39:21
